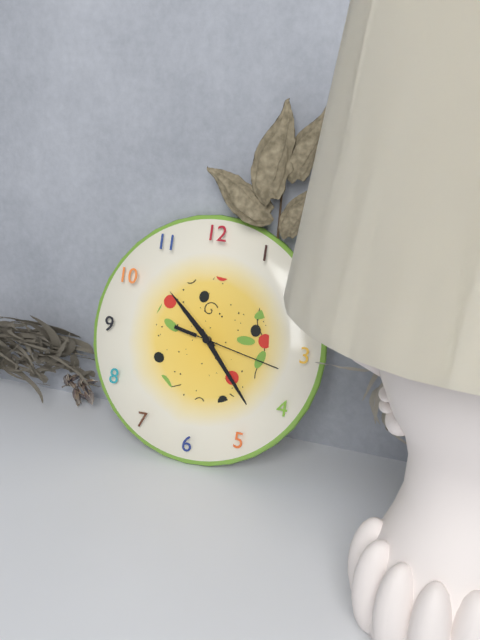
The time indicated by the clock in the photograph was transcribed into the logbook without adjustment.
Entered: 10:23:17
